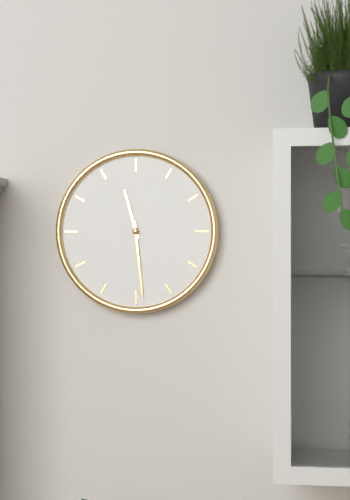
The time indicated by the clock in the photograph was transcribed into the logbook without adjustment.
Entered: 11:29
